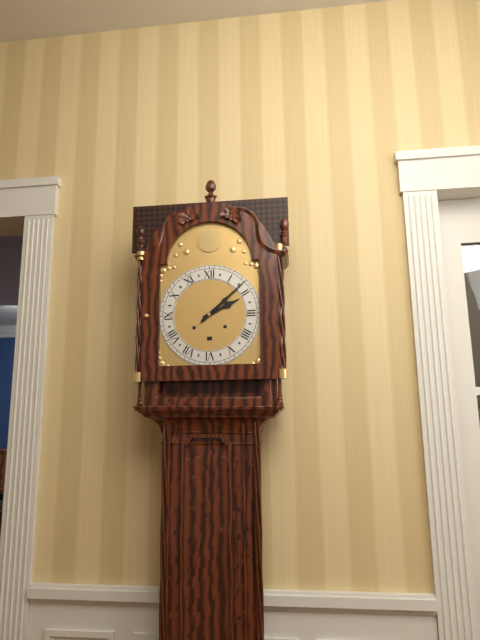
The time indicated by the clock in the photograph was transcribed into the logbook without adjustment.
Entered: 2:08
